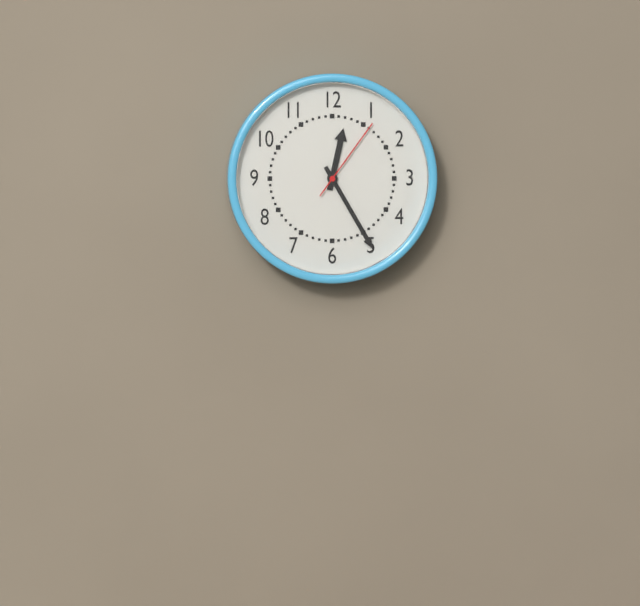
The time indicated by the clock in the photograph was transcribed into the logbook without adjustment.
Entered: 12:25:06
